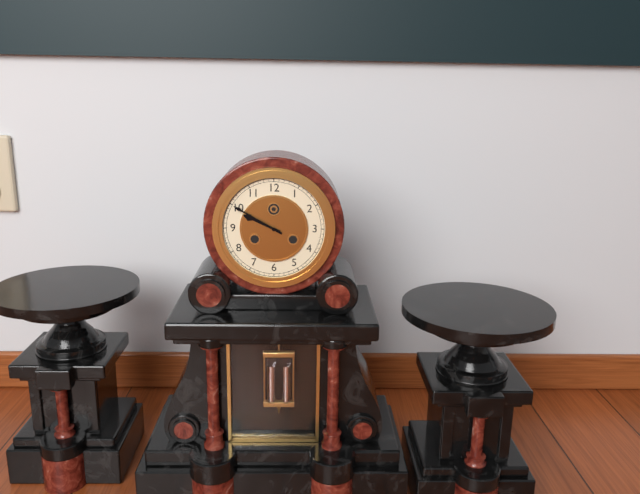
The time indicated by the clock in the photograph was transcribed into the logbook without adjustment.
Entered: 9:50
